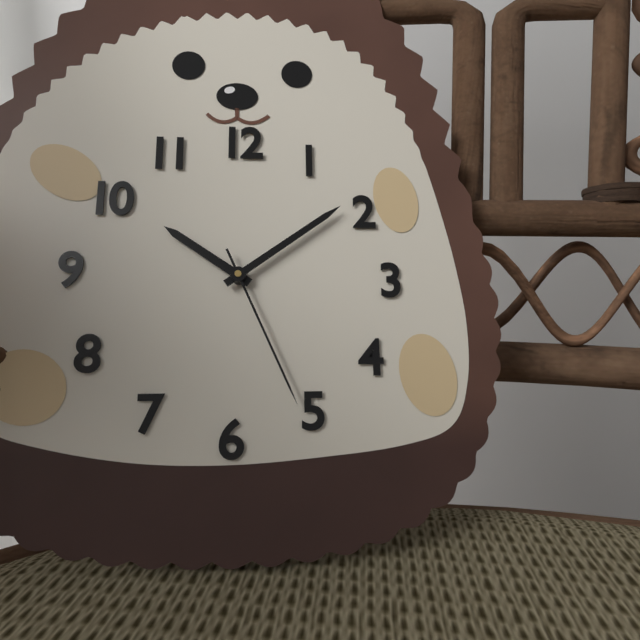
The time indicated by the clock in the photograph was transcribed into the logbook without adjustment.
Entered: 10:09:26
